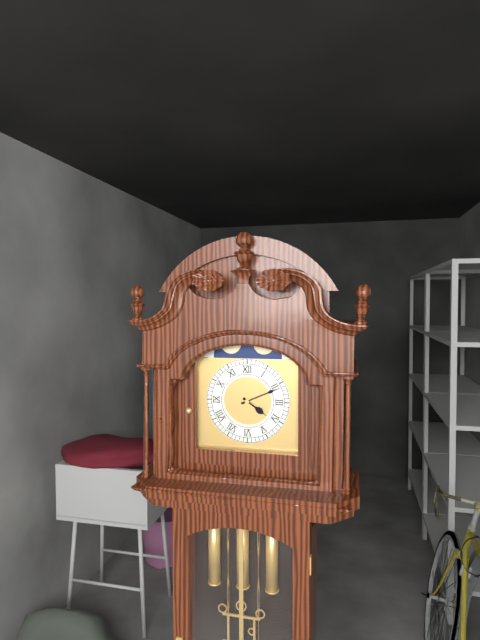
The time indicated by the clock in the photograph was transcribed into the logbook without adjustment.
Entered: 4:11
